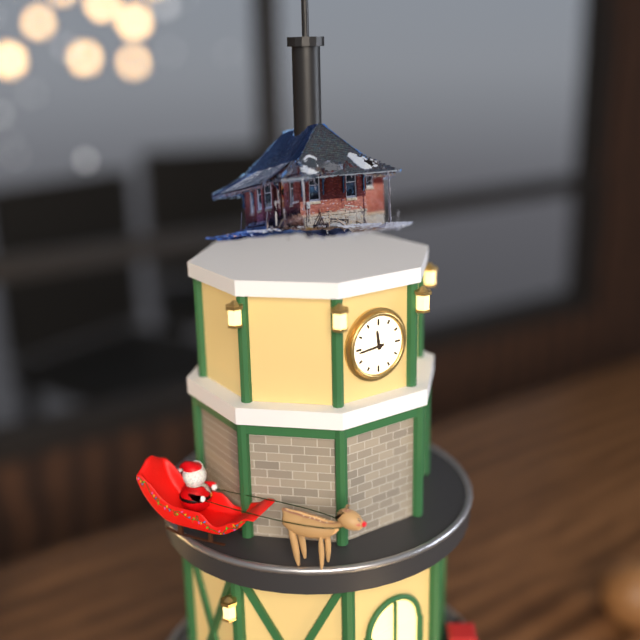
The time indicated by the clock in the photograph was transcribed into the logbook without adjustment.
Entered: 11:44
